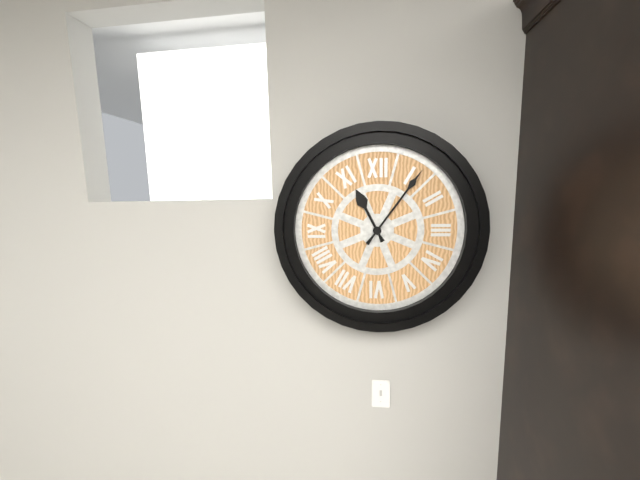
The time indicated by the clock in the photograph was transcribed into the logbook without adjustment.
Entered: 11:06
